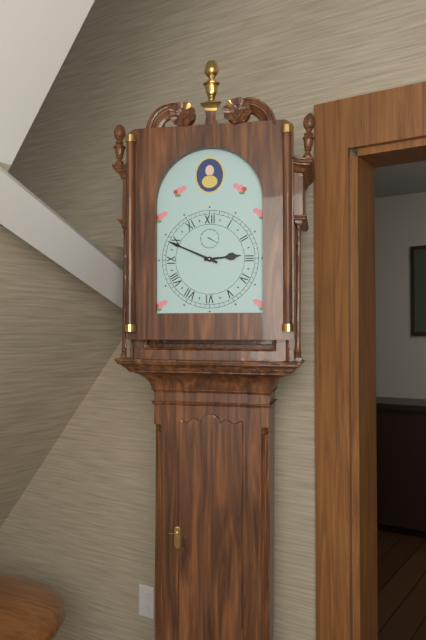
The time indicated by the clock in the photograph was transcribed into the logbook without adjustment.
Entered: 2:49
